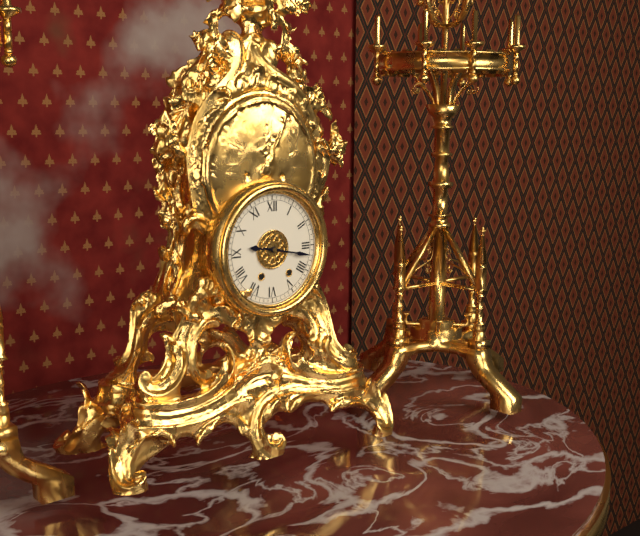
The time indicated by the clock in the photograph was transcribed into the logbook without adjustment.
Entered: 9:17
